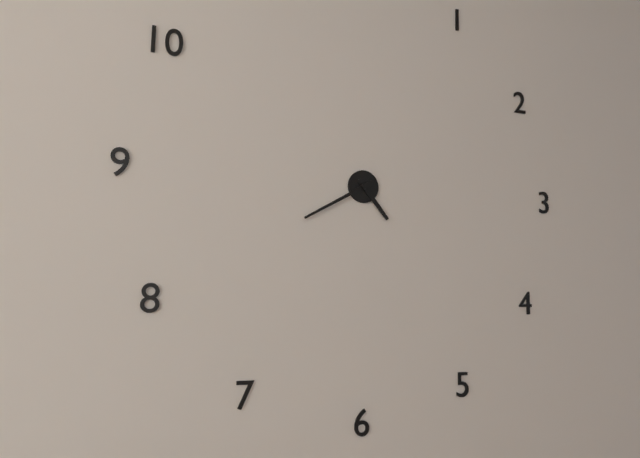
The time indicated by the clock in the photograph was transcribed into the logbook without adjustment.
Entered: 4:40
